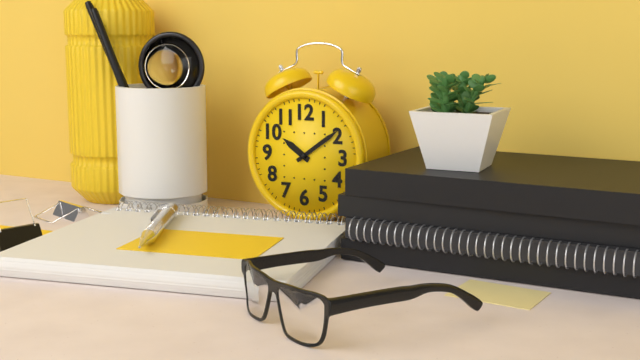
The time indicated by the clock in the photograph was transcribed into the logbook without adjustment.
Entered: 10:09
